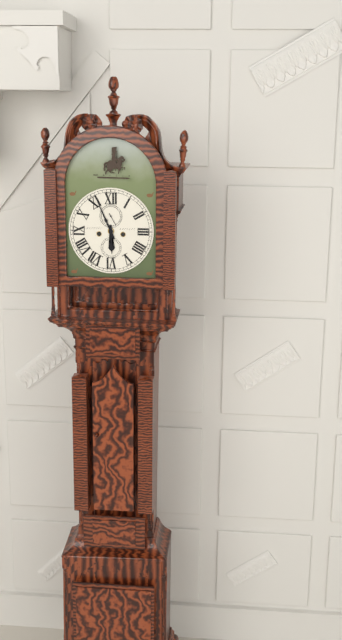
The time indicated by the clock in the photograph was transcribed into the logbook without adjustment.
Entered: 5:56
